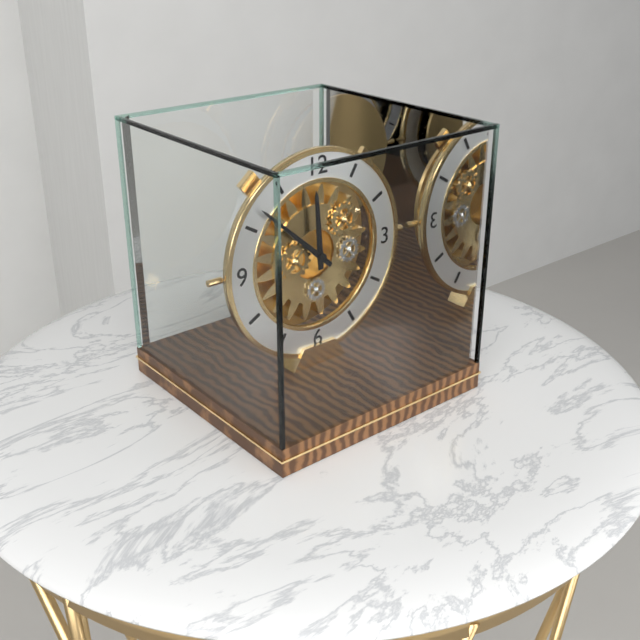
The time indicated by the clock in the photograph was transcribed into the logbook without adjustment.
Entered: 11:52
